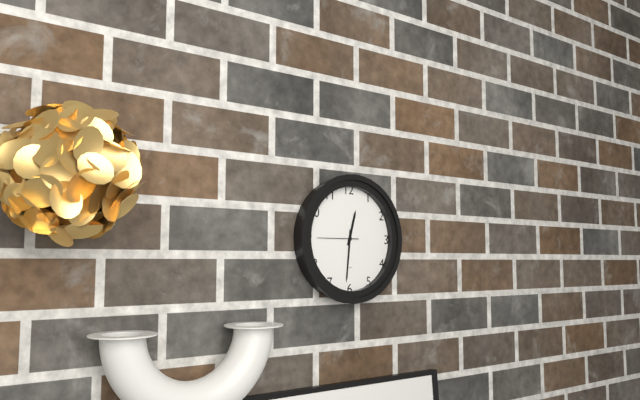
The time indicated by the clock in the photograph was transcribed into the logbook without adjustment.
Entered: 12:31
